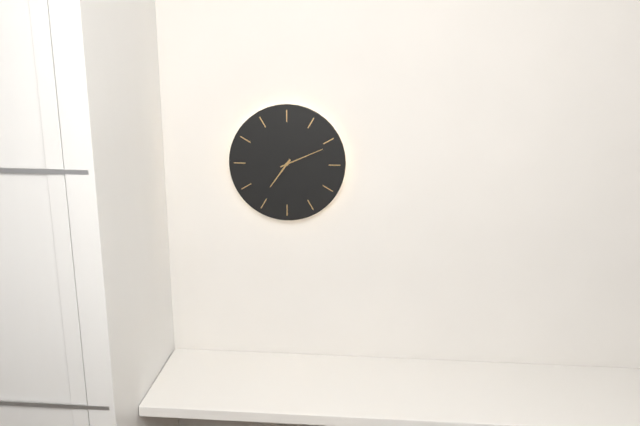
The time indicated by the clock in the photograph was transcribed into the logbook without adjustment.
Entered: 7:11
